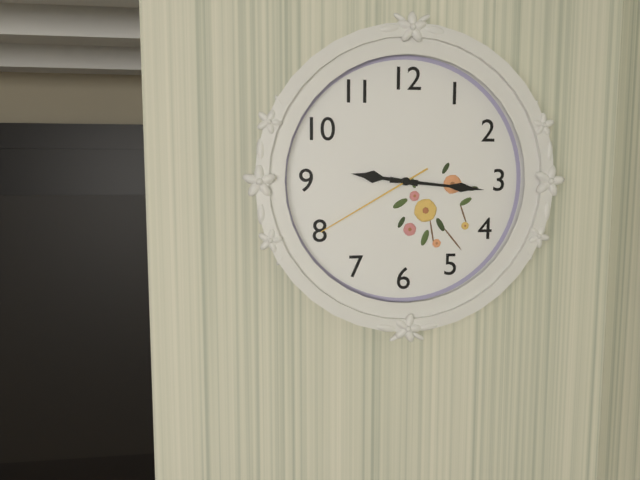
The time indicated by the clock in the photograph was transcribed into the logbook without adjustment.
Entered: 9:16:40
